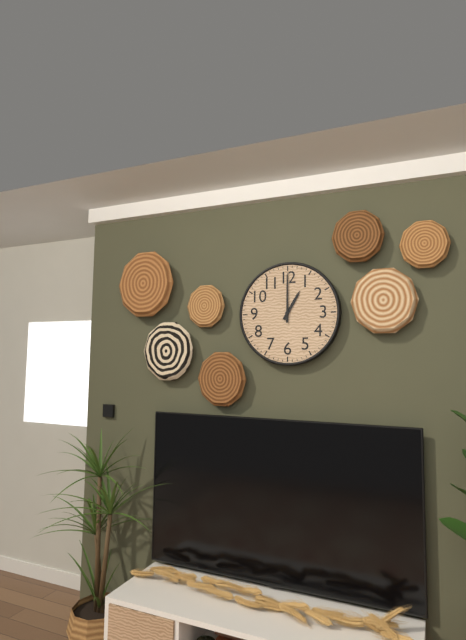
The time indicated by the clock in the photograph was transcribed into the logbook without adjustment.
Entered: 1:00
